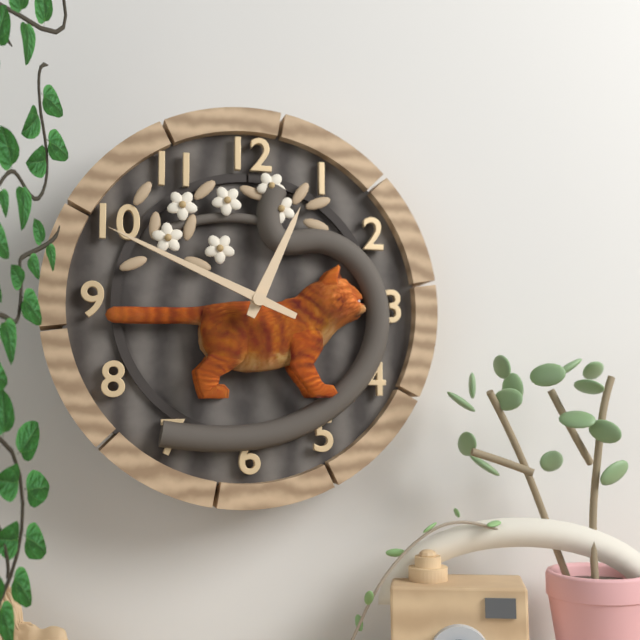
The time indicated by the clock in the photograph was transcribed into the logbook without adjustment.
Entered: 12:49
